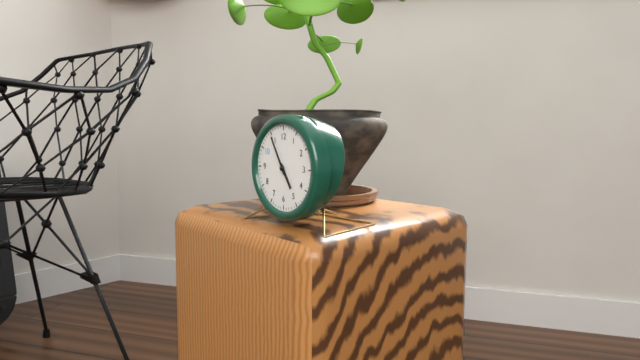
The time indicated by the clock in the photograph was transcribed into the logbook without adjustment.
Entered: 4:55
